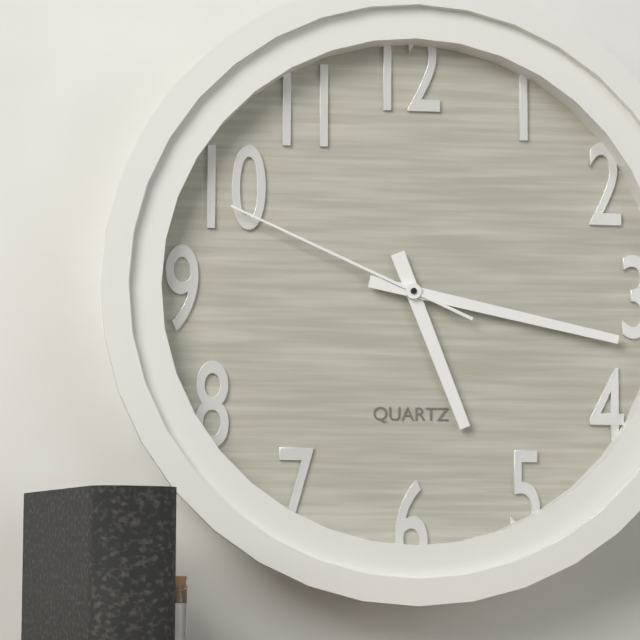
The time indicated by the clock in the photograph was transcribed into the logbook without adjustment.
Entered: 5:17:49
